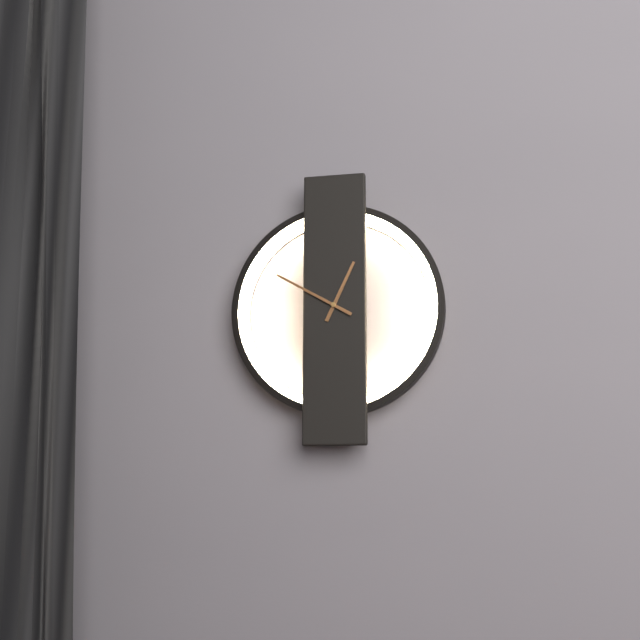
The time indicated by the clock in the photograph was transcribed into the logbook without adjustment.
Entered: 12:50
